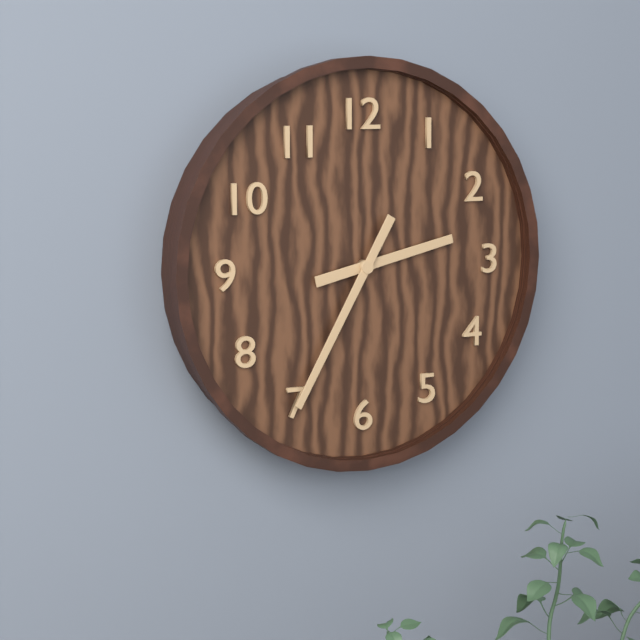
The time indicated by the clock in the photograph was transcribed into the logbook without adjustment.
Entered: 2:35
